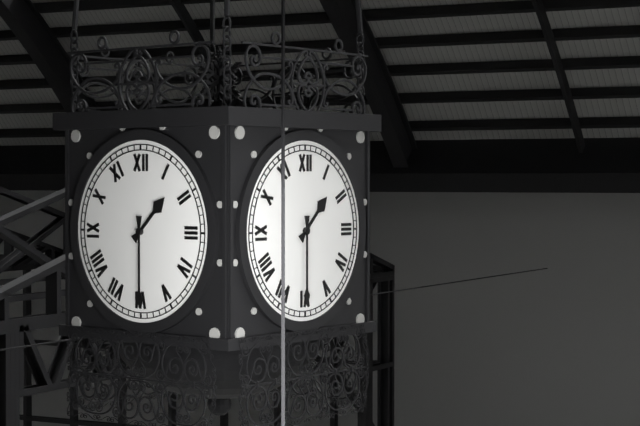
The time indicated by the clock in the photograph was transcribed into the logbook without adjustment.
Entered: 1:30
